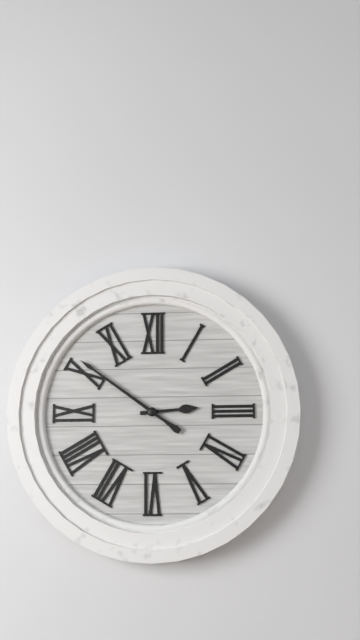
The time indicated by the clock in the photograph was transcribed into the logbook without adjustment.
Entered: 2:51
